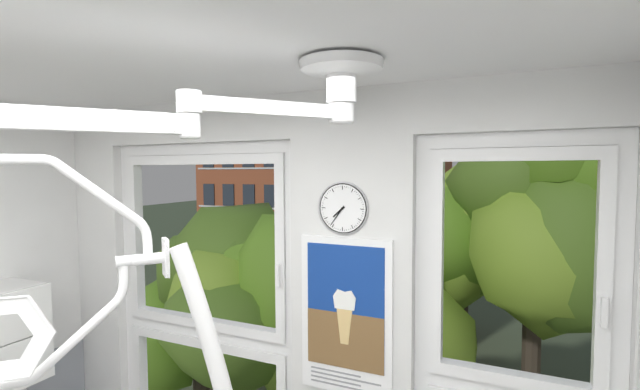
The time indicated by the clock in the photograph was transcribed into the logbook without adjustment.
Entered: 7:36
